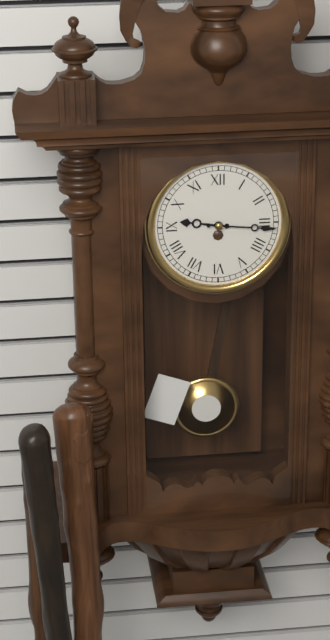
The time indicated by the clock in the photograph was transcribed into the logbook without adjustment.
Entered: 9:16
